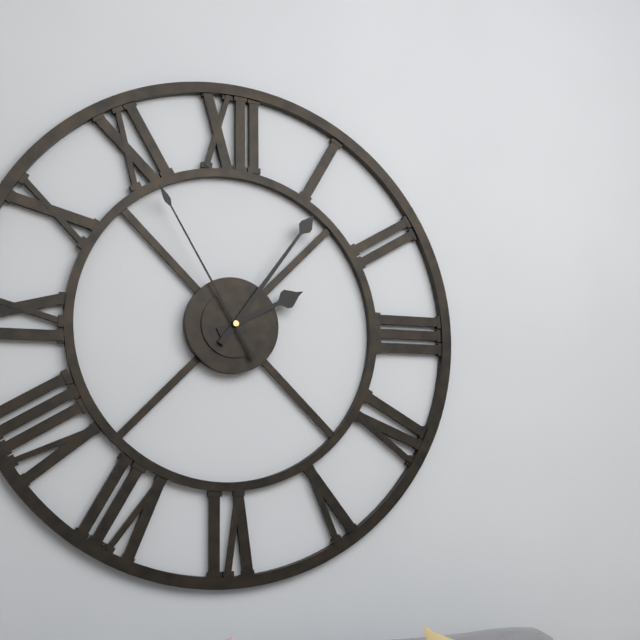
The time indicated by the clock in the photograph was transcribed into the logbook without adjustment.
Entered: 2:06:55
